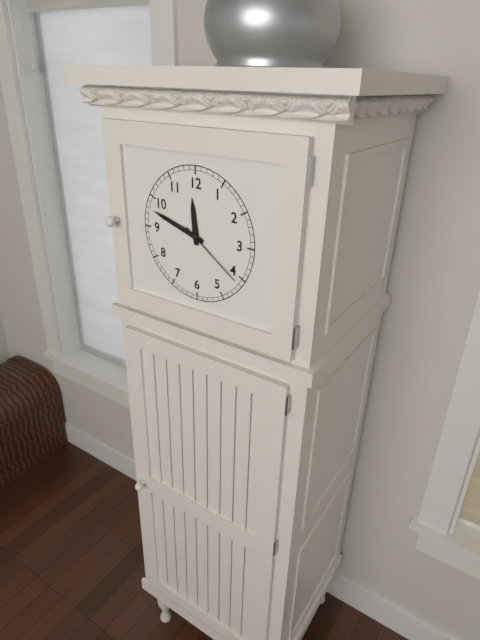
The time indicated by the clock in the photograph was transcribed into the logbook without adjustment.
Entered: 11:48:21
